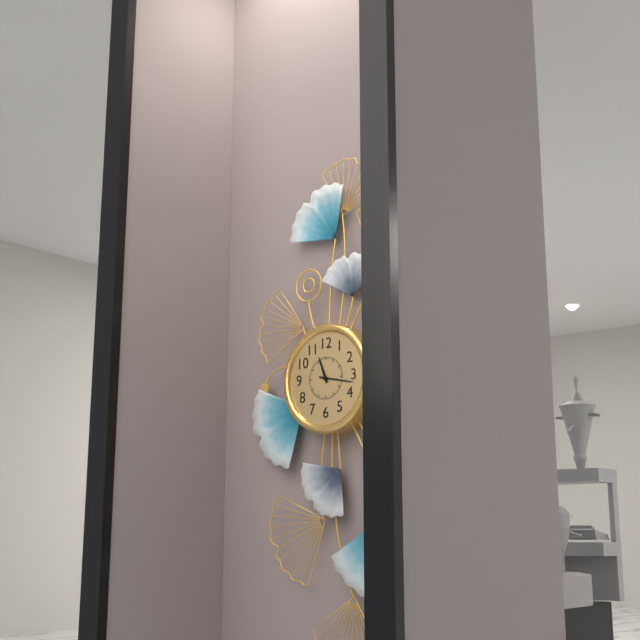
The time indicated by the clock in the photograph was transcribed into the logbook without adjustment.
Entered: 11:17
